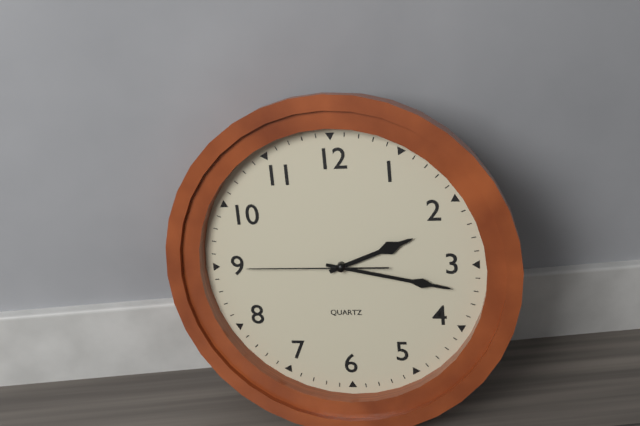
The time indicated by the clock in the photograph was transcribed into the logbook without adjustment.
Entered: 2:17:45
